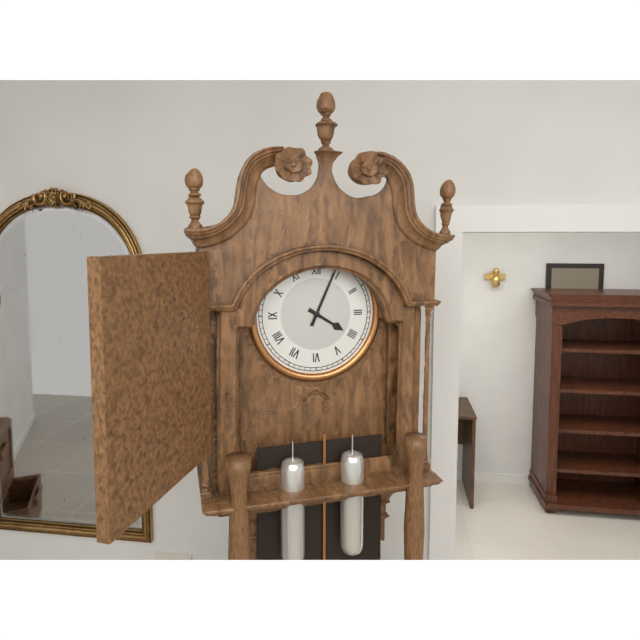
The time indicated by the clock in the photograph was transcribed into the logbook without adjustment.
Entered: 4:04
